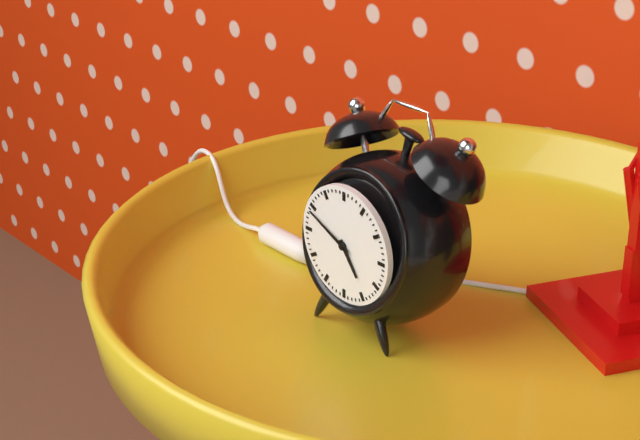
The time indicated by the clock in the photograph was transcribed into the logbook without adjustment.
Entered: 4:49
